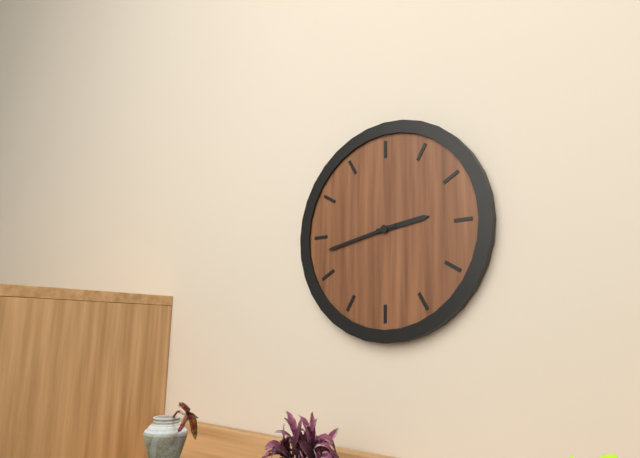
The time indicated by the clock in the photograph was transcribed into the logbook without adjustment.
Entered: 2:43
